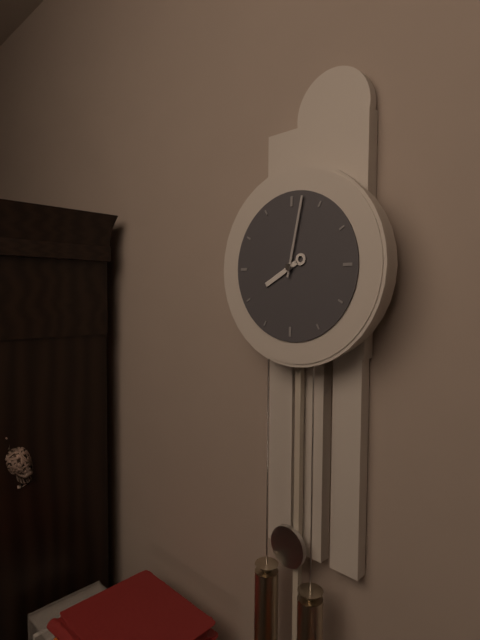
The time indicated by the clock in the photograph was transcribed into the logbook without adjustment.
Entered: 8:02
